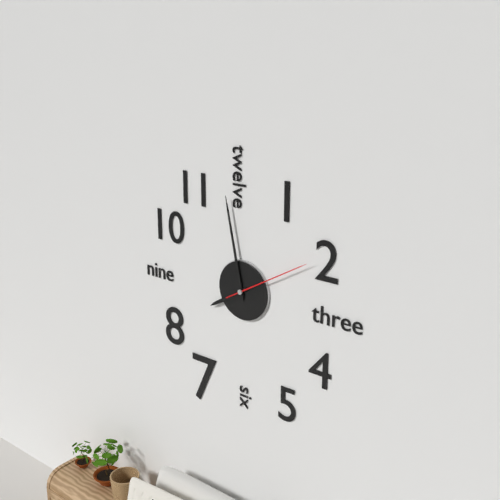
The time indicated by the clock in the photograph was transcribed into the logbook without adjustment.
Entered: 7:58:10
